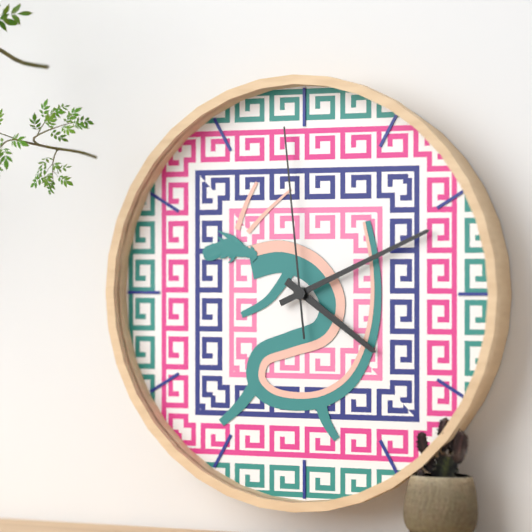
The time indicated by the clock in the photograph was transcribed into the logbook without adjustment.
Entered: 4:11:59
